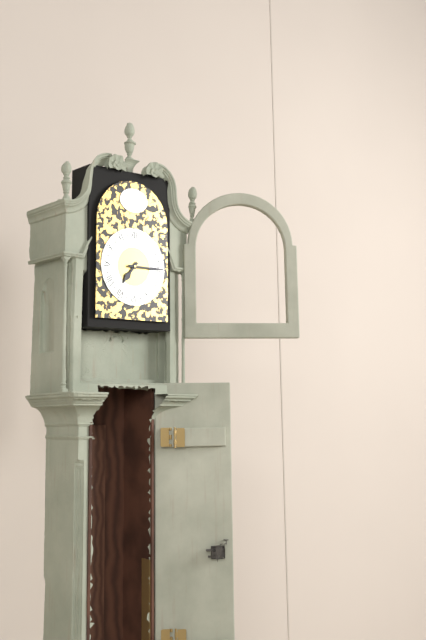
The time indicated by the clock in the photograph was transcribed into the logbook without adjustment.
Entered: 7:15
